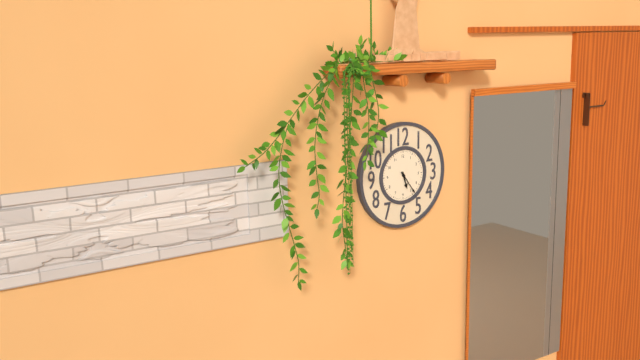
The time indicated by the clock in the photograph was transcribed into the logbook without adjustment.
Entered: 5:24
